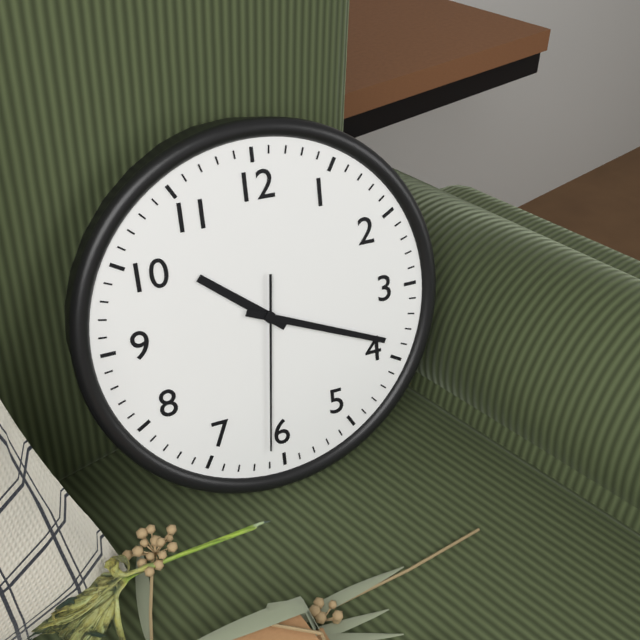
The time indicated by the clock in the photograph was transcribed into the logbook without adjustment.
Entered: 10:19:31
